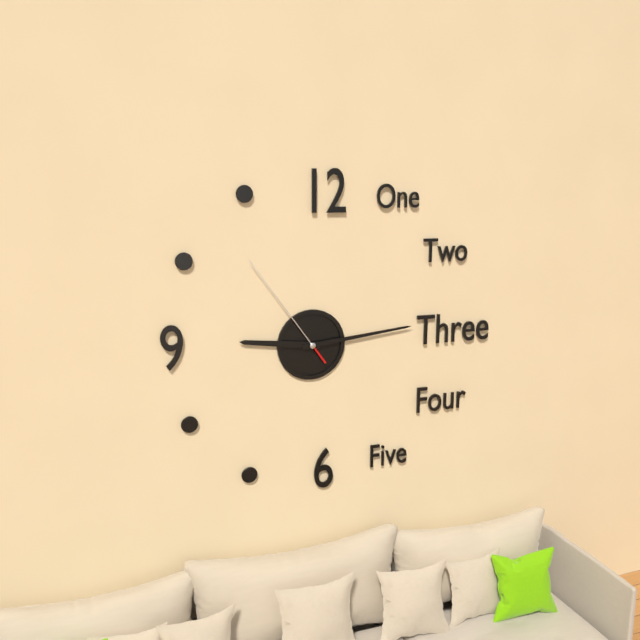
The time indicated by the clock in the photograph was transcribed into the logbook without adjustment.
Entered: 9:14:54
